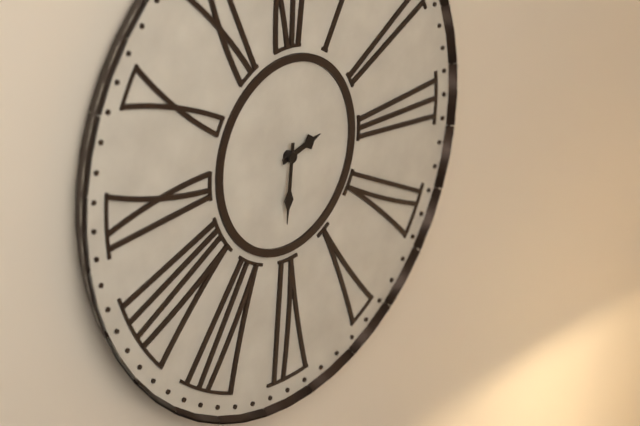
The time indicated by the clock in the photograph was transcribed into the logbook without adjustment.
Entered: 2:31
